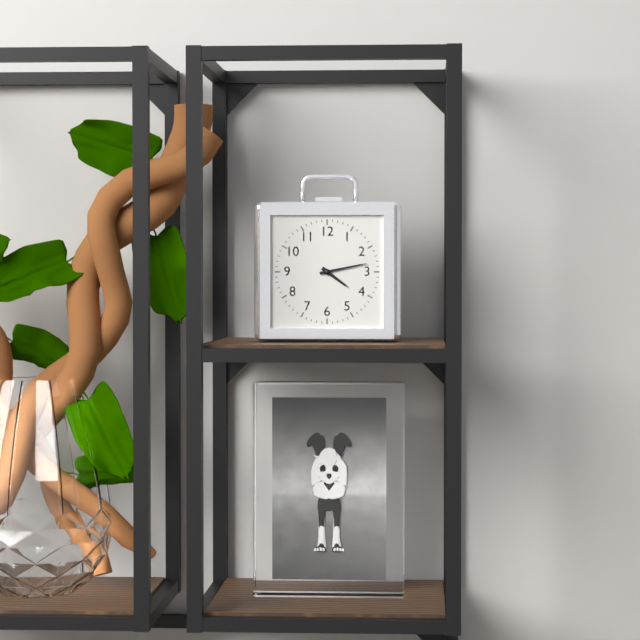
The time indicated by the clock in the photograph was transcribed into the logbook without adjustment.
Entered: 4:13
